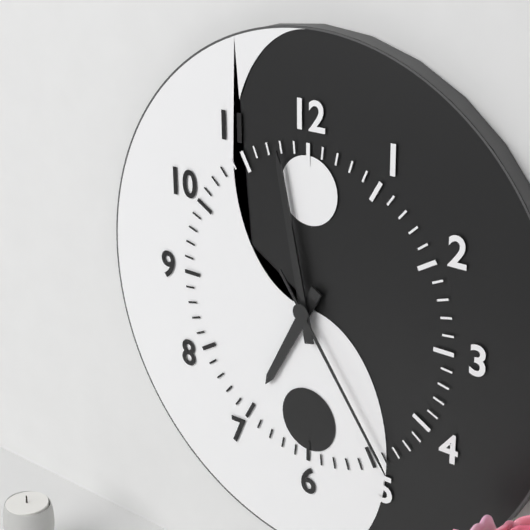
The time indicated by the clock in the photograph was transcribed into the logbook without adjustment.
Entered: 6:58:24
